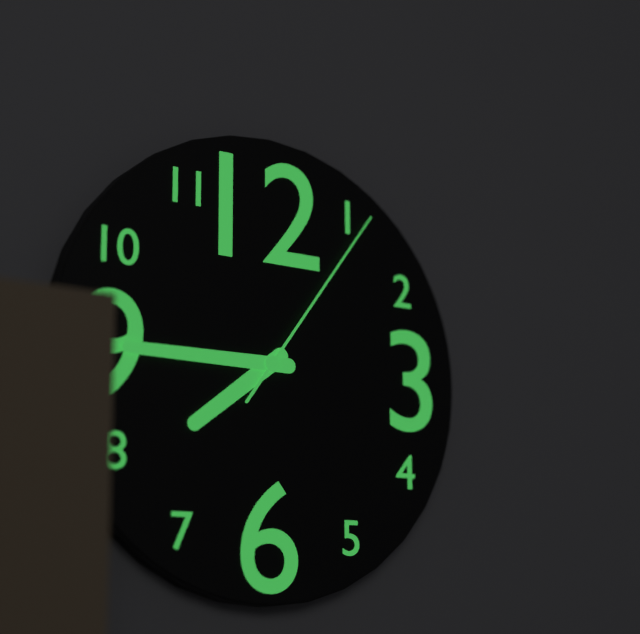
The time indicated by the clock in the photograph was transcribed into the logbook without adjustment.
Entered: 7:45:06
